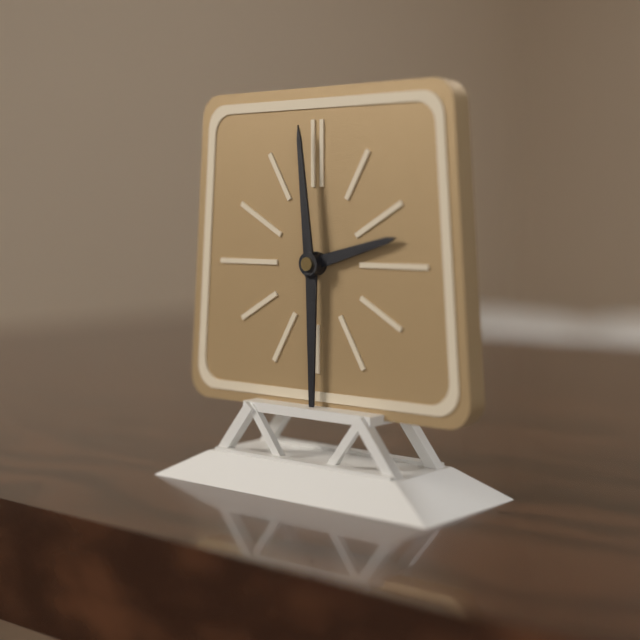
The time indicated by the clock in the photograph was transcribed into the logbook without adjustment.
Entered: 2:30:59
